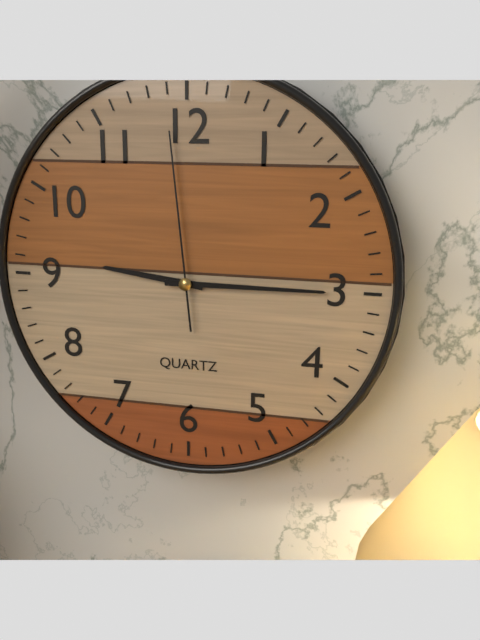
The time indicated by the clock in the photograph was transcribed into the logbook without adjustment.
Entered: 9:15:59
